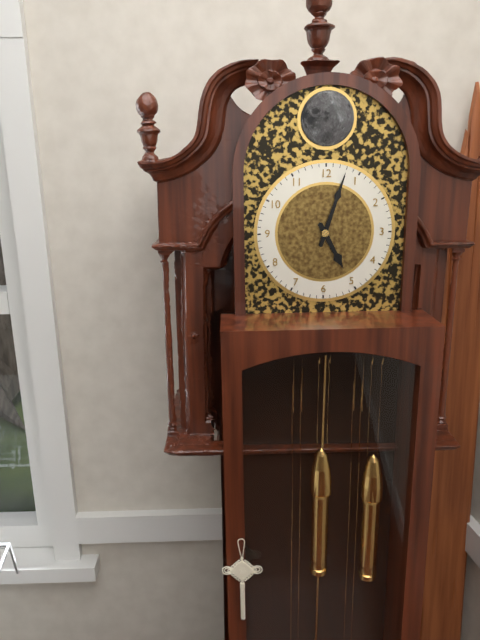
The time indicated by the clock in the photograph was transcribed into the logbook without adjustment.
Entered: 5:03
